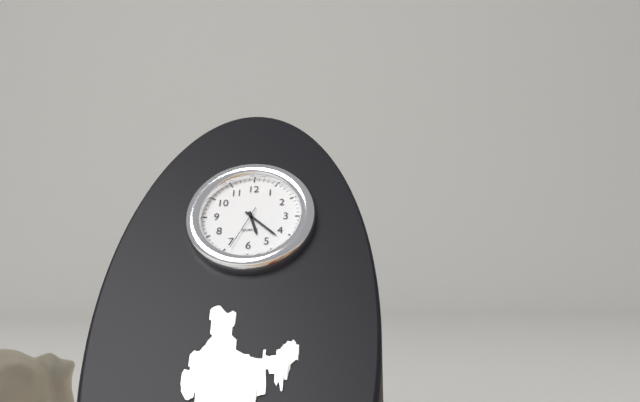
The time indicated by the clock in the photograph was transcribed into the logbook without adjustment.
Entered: 5:22
